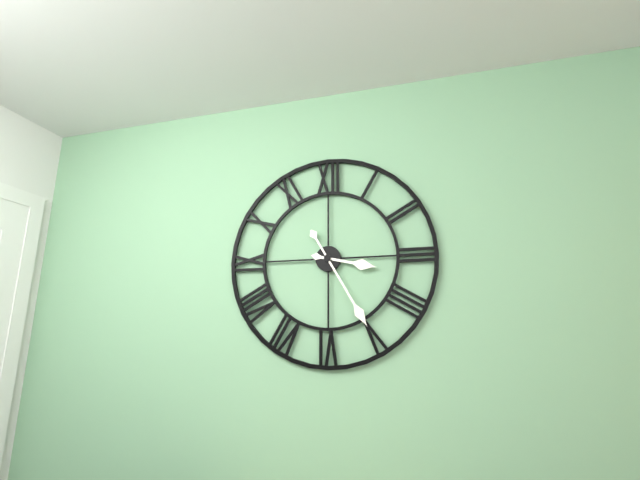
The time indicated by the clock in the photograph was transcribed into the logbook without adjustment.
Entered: 3:25
